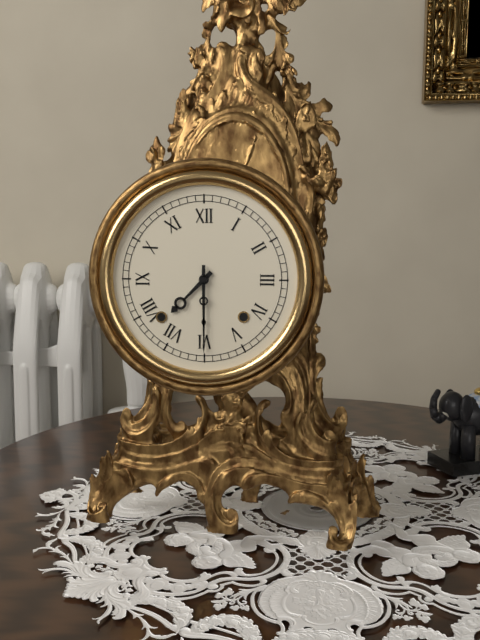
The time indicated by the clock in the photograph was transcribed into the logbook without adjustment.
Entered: 7:30
